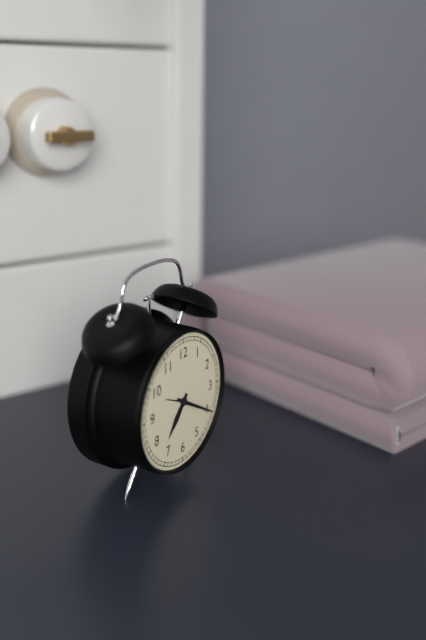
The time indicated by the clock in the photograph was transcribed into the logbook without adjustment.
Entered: 7:20
